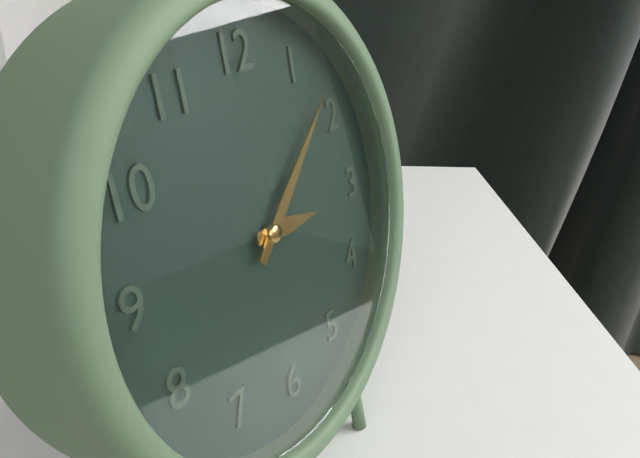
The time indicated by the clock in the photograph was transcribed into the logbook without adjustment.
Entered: 3:08
